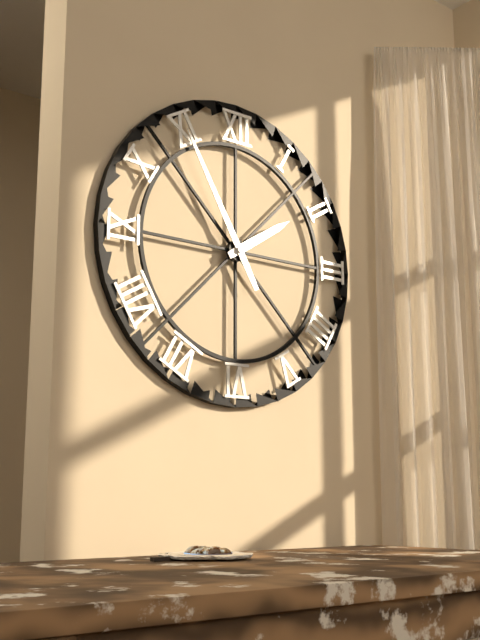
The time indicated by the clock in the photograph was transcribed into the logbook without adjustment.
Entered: 1:55
